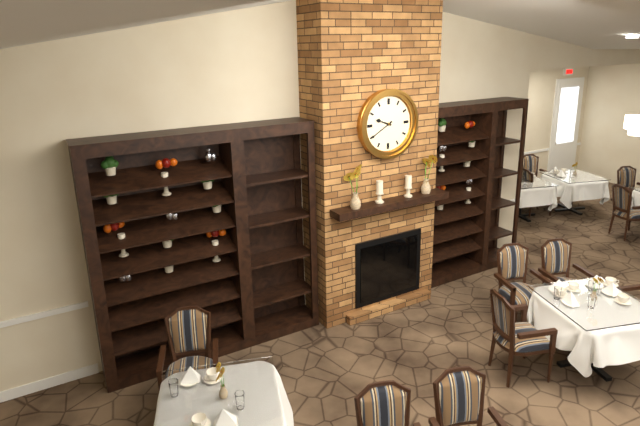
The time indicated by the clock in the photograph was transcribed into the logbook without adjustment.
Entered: 9:40
